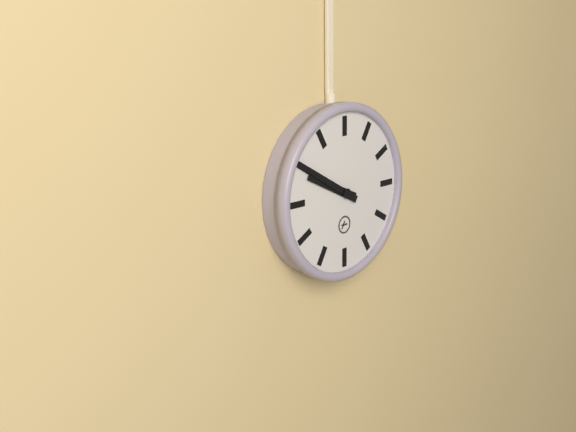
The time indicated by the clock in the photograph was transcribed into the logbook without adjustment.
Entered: 9:50
